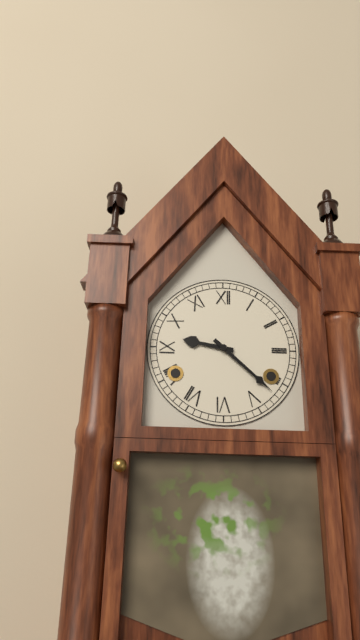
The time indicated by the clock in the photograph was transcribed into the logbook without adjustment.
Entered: 9:22
